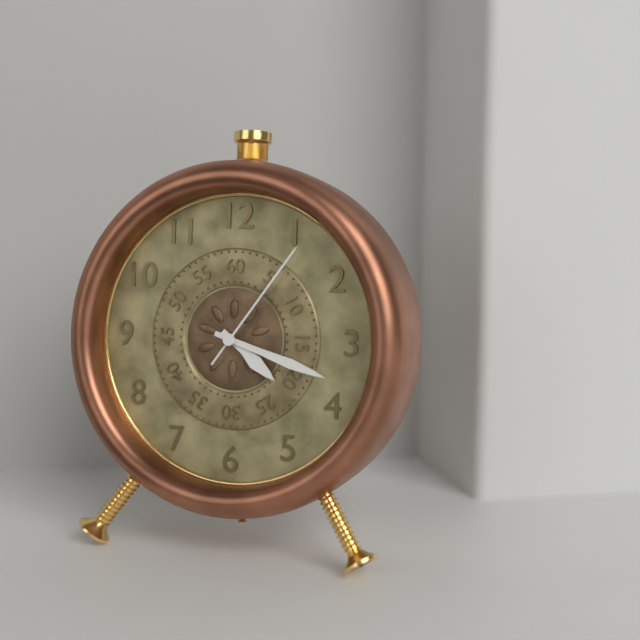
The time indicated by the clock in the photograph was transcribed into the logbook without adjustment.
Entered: 4:18:06
